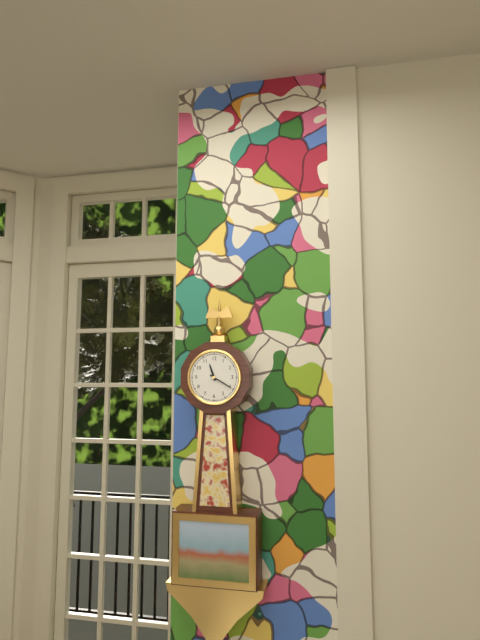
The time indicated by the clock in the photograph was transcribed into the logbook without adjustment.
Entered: 11:20
